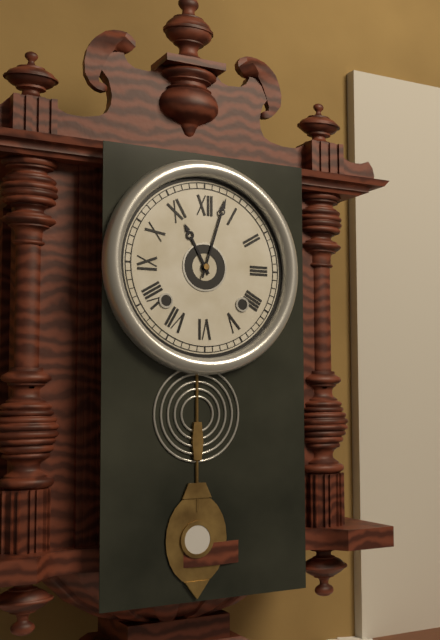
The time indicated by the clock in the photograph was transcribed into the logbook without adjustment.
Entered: 11:03
